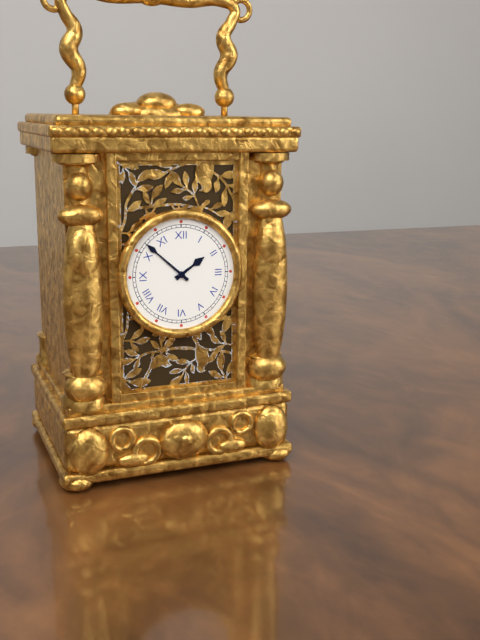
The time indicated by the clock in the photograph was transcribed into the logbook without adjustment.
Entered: 1:52
